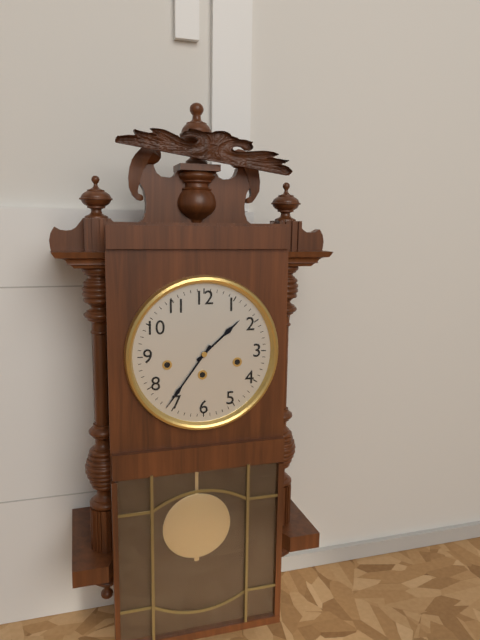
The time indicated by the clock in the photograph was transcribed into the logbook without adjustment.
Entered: 1:36
